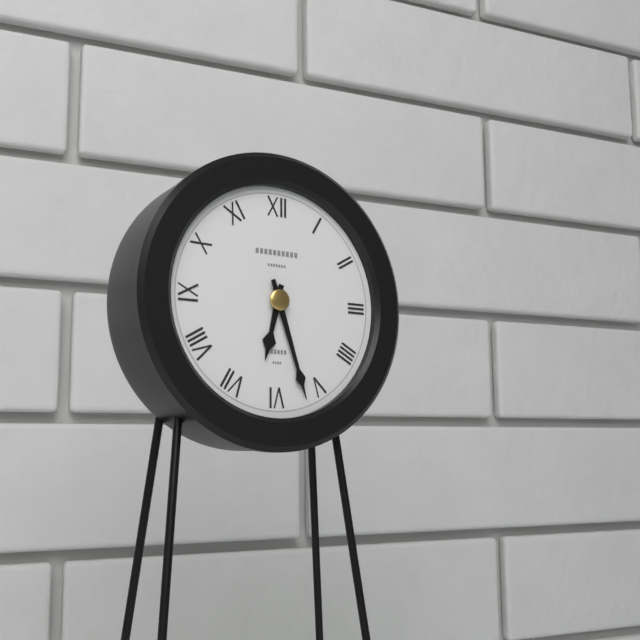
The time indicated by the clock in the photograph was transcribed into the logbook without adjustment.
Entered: 6:27
